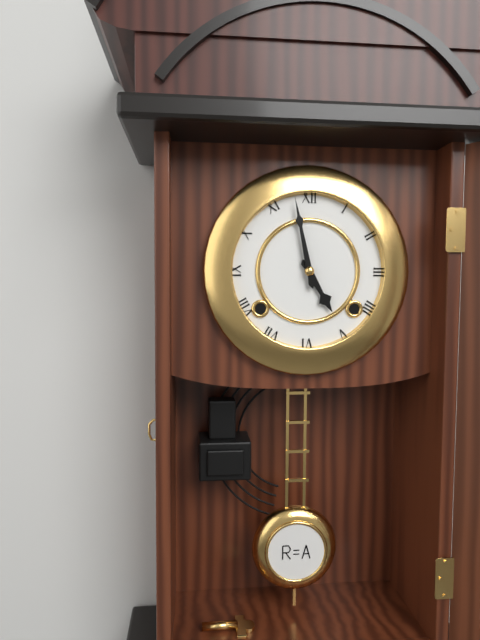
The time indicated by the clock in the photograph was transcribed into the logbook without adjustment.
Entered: 4:58
